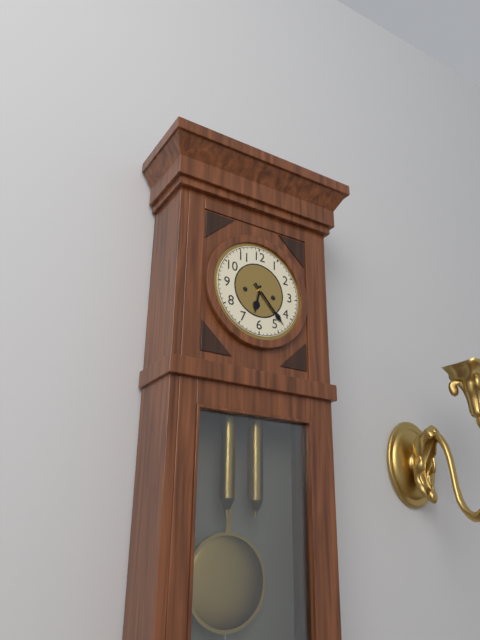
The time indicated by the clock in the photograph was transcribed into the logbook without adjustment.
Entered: 6:23
